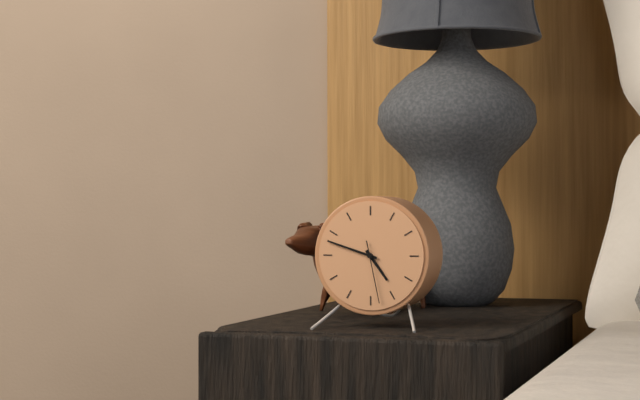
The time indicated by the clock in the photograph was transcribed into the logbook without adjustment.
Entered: 4:48:28
